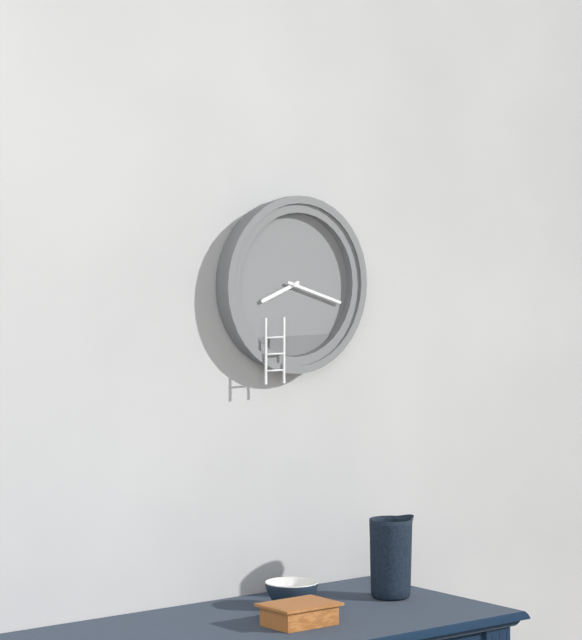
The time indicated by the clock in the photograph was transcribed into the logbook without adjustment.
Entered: 8:18
